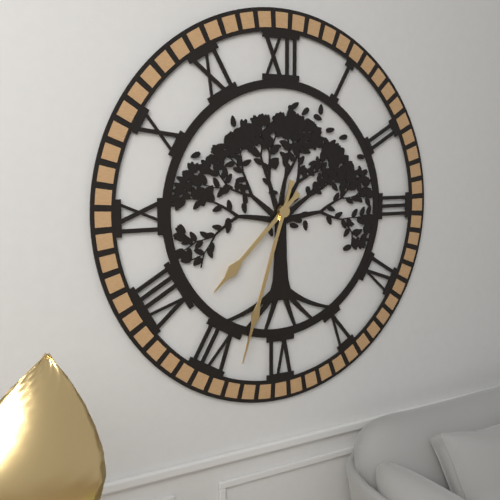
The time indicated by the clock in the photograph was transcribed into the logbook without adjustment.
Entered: 7:33
